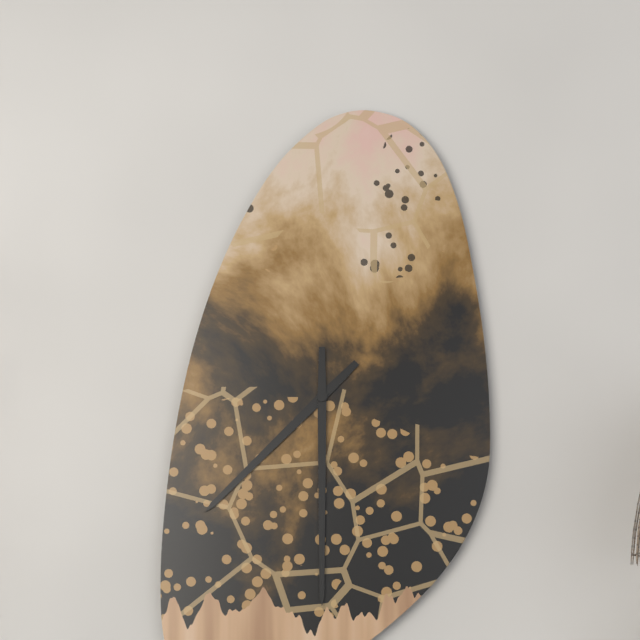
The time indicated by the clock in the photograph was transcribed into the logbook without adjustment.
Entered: 7:30
